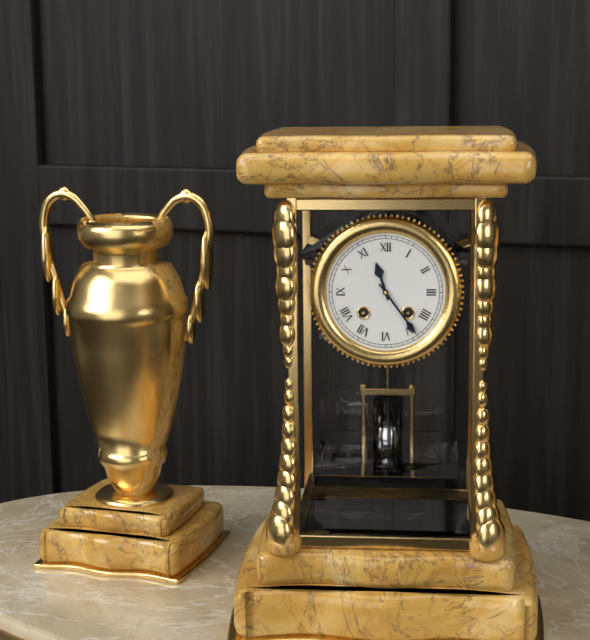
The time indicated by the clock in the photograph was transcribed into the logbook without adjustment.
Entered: 11:24
